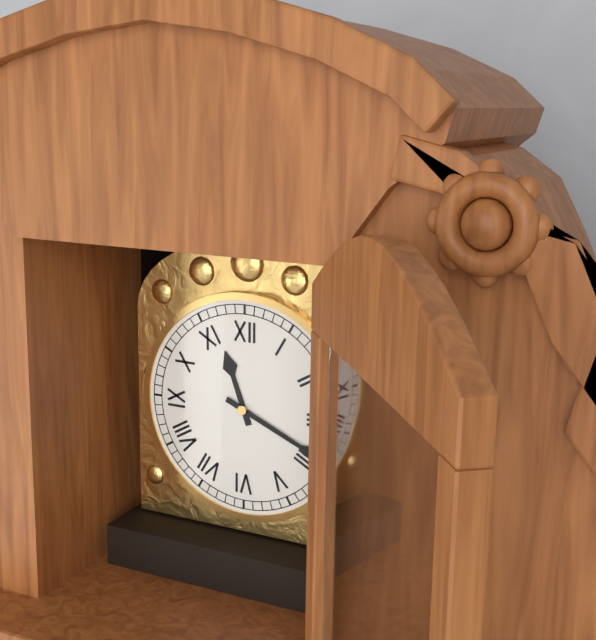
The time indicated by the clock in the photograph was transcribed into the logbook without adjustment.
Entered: 11:19
